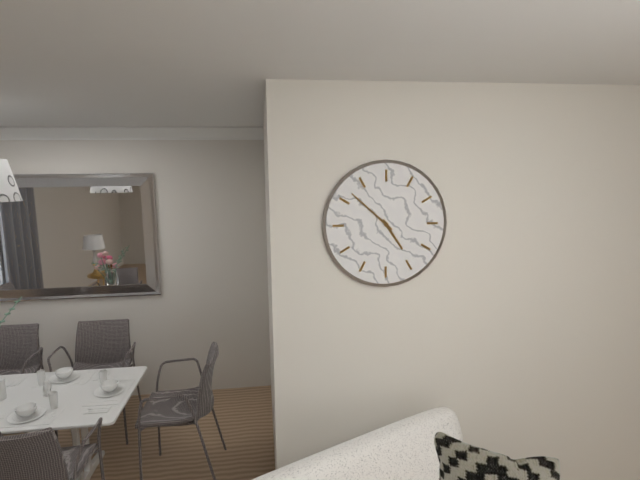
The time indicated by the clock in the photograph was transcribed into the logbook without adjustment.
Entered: 4:52
